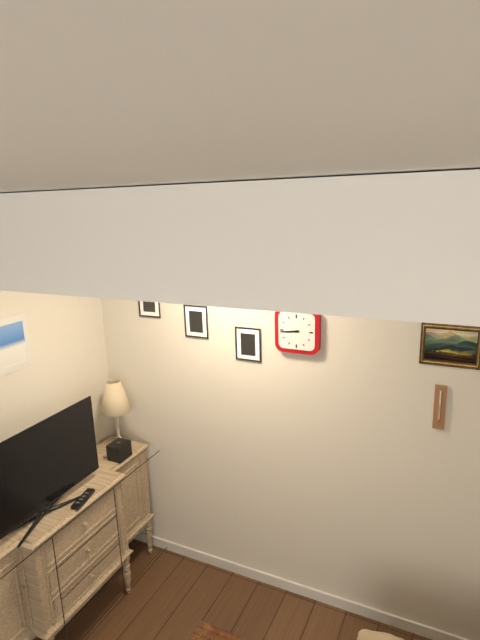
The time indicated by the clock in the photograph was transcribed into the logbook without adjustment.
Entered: 8:44
